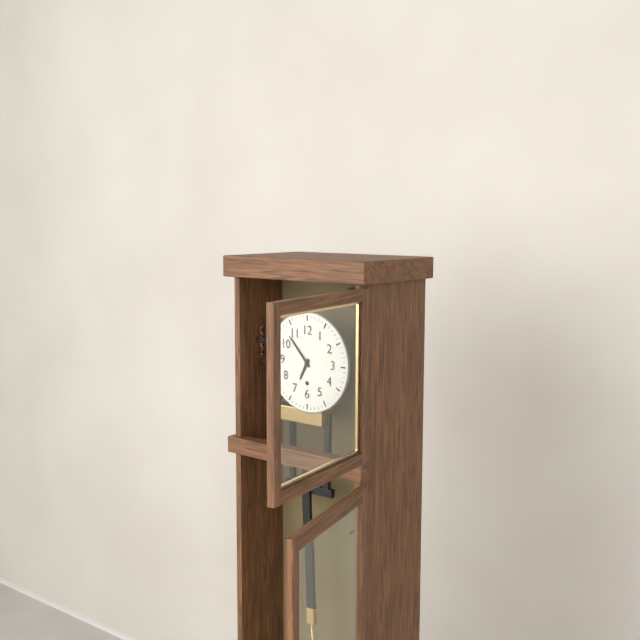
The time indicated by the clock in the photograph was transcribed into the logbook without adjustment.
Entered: 6:53
